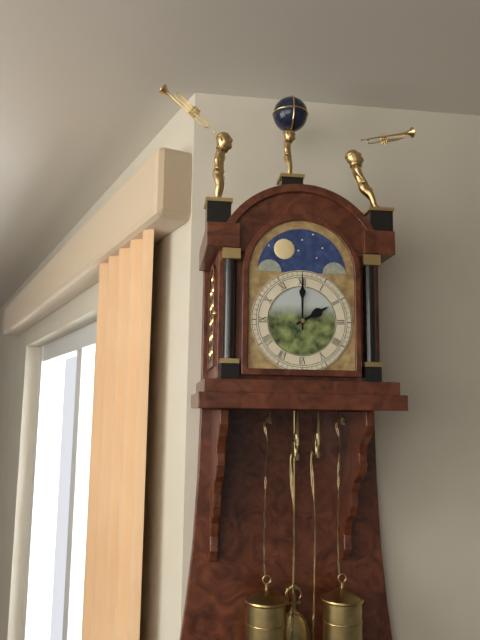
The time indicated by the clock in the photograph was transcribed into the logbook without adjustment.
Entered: 2:00
